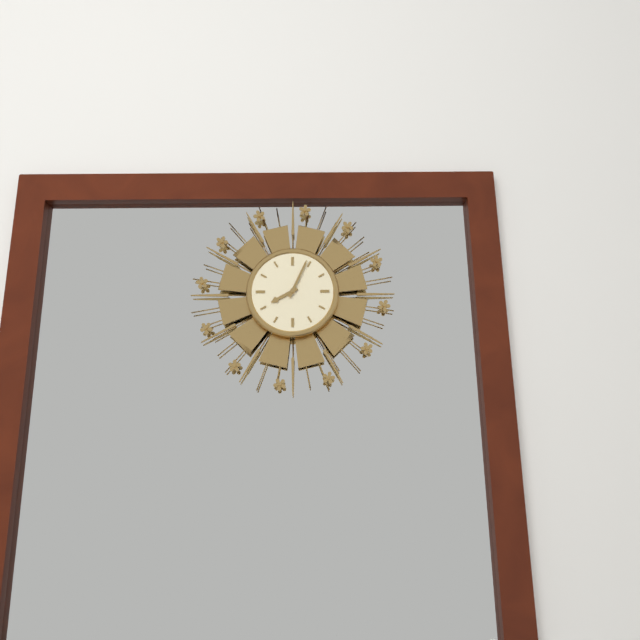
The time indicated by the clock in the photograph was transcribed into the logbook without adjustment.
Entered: 8:04
